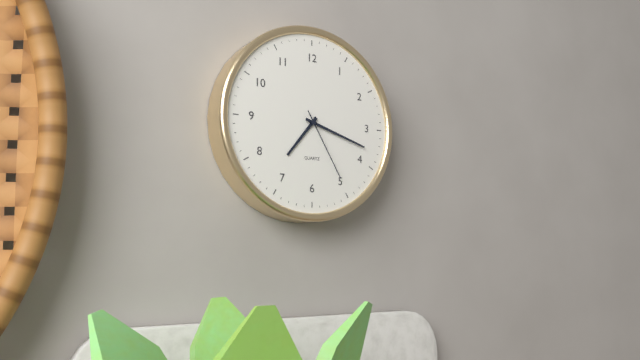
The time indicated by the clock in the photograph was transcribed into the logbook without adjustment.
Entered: 7:18:25
